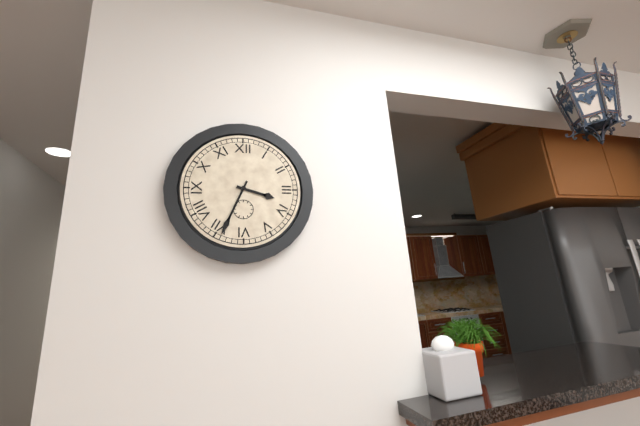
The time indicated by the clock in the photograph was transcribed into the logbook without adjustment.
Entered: 3:34
